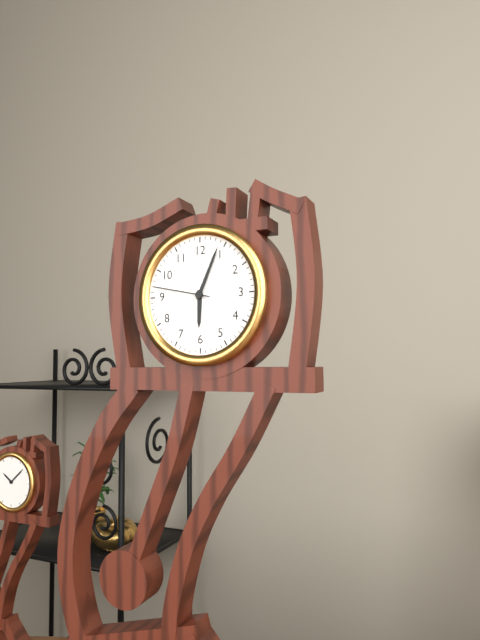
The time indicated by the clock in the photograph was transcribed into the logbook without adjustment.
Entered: 6:04:47
